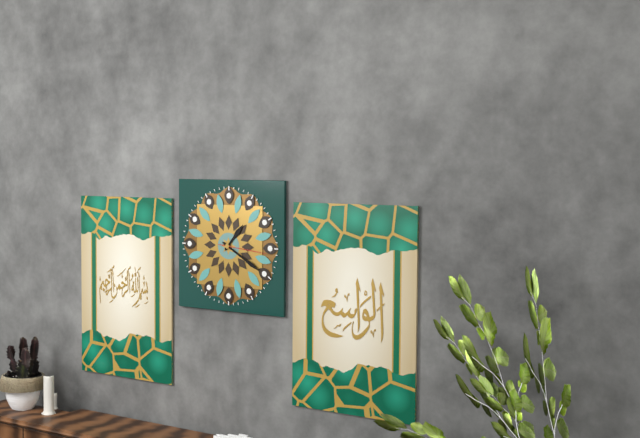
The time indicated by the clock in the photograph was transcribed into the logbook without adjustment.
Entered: 1:20
